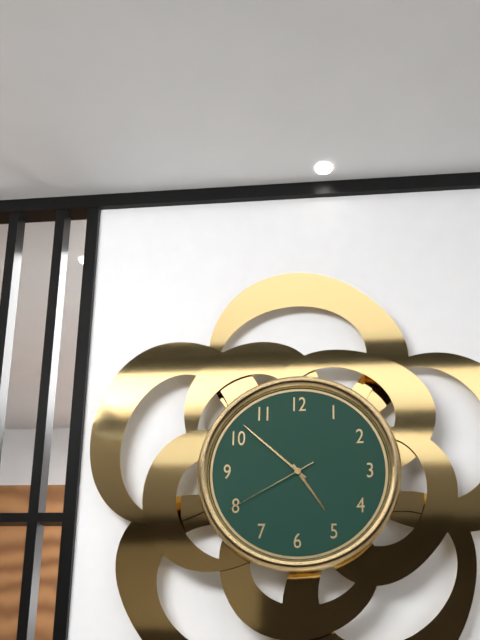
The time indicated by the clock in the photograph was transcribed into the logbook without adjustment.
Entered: 4:52:40
